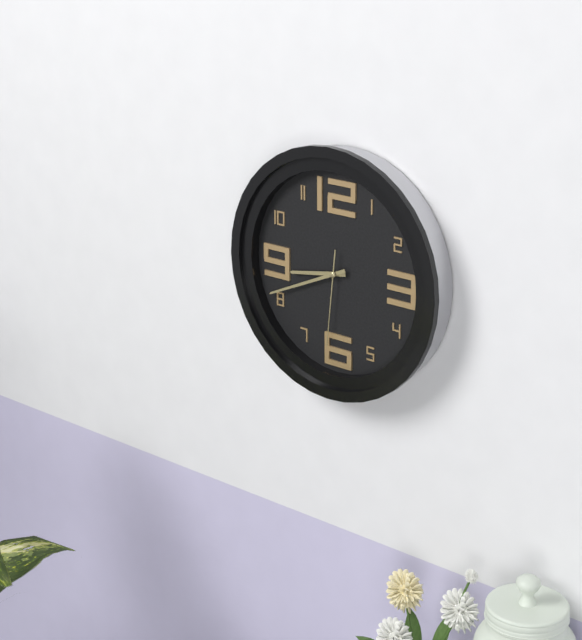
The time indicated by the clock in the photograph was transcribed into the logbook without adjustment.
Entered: 8:41:31
